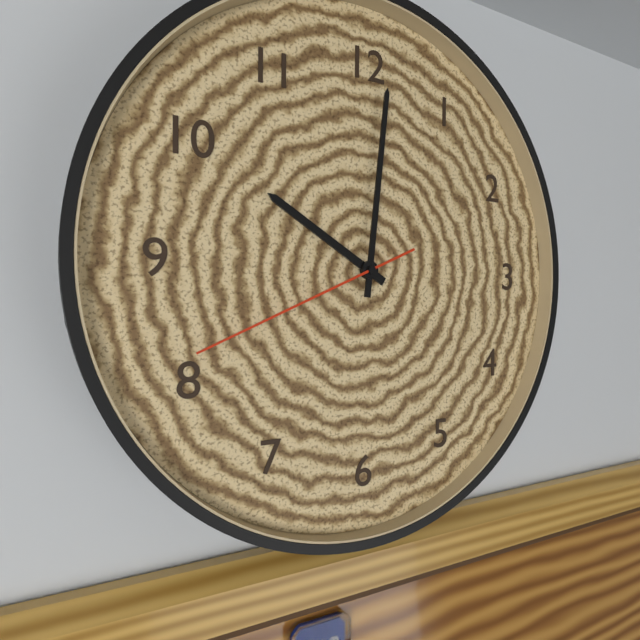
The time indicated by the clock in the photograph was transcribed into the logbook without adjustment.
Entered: 10:01:41
